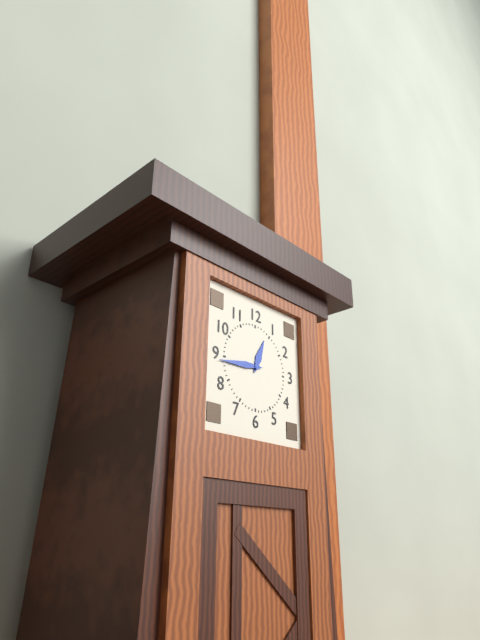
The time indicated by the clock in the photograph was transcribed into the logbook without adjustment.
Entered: 12:44
